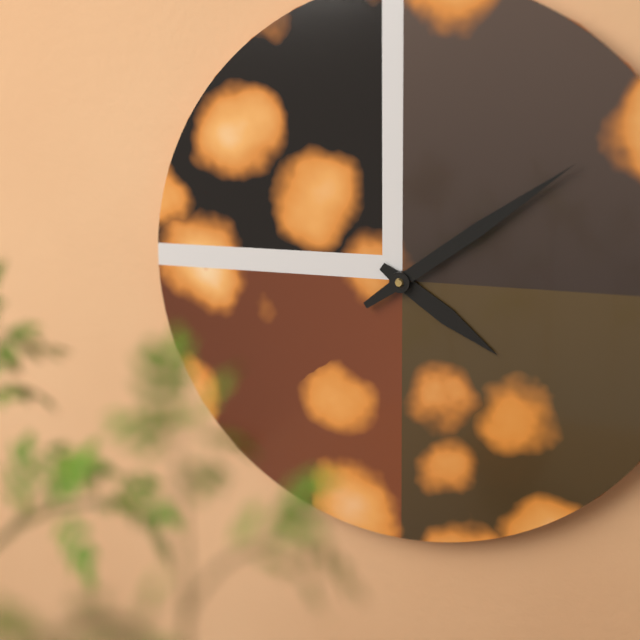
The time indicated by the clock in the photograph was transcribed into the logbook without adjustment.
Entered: 4:09
